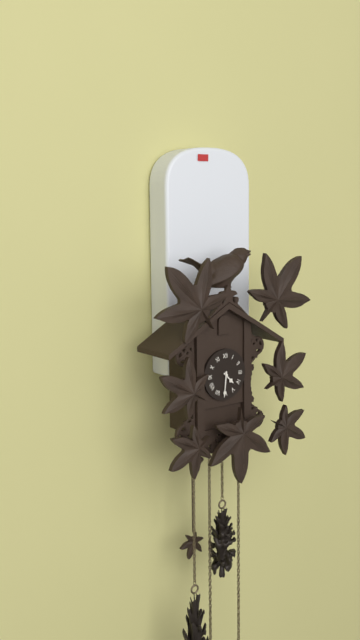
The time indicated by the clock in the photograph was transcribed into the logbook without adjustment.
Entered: 4:31
